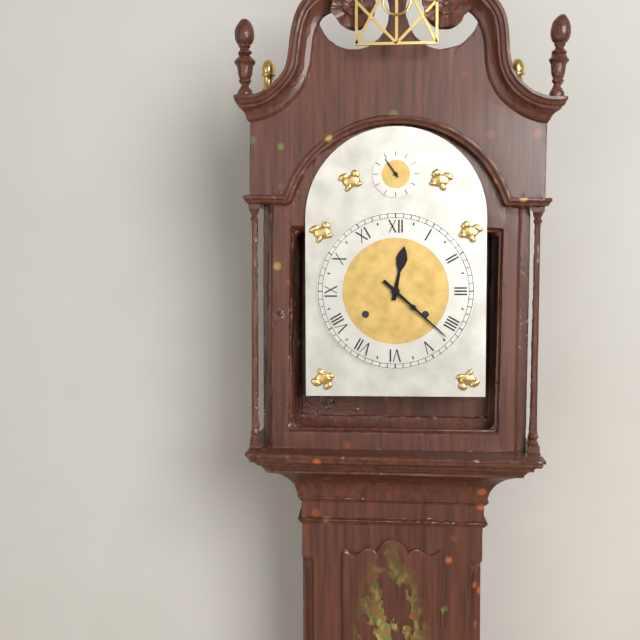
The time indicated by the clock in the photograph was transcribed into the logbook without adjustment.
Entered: 12:22
